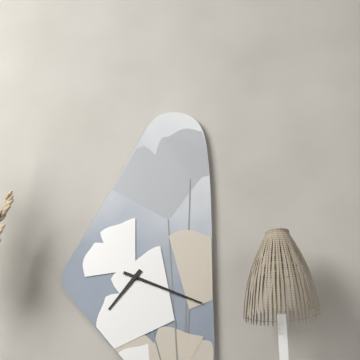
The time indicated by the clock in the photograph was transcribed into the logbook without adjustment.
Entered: 7:19
